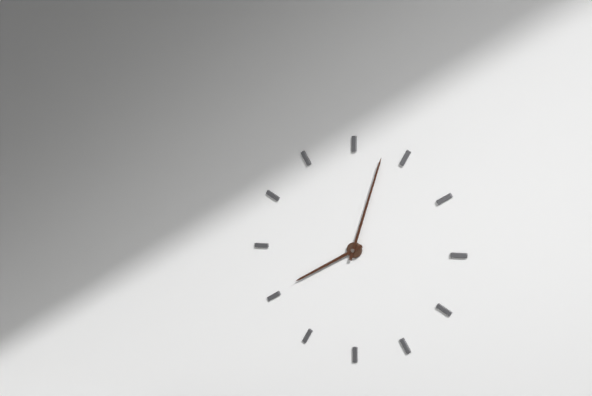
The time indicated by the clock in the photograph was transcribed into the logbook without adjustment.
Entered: 8:03
